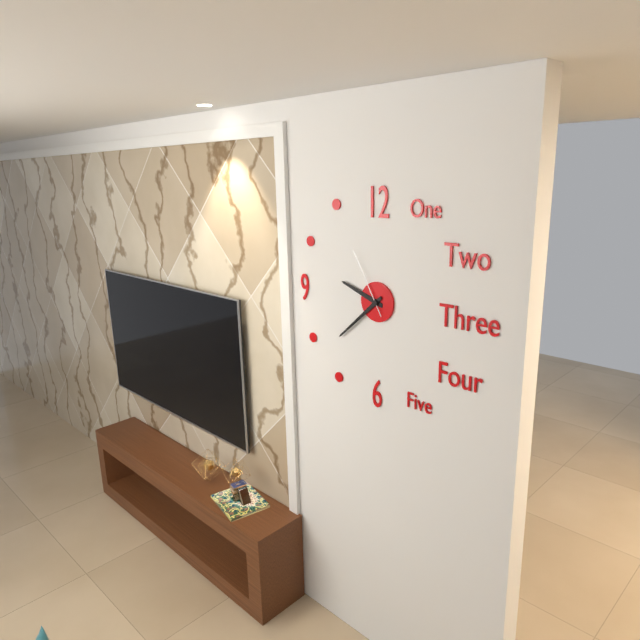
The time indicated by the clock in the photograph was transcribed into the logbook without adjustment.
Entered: 9:38:55
